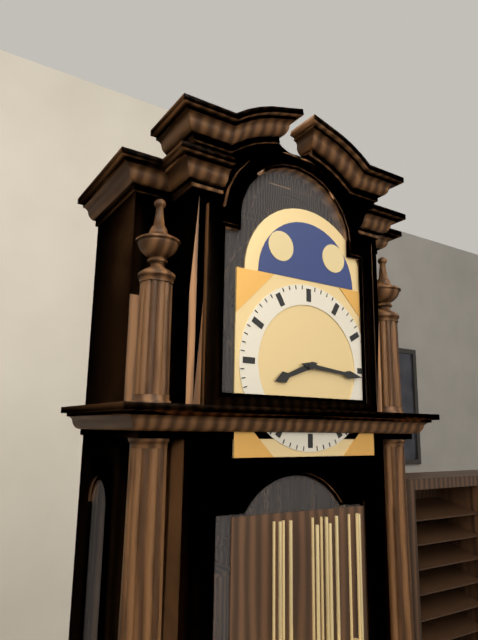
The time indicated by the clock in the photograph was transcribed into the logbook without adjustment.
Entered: 8:16
